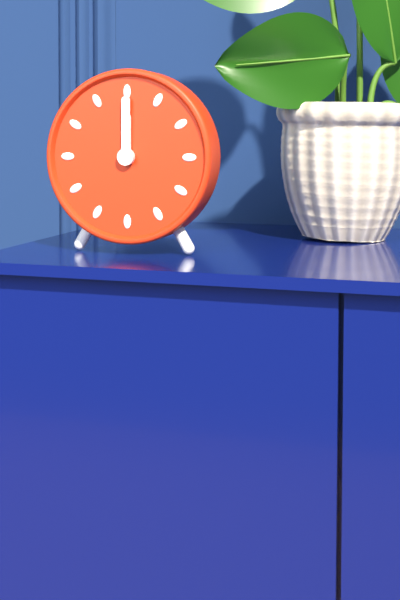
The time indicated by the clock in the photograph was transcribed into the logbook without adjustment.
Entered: 12:00
